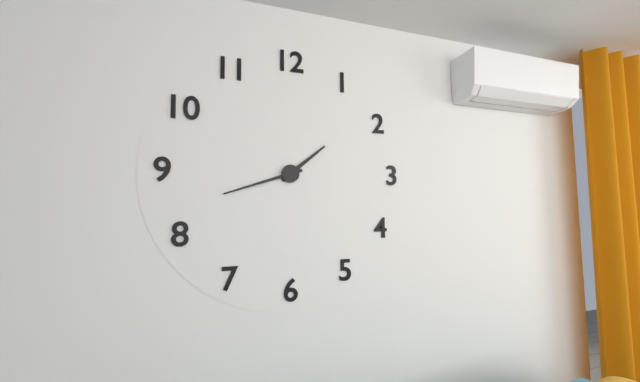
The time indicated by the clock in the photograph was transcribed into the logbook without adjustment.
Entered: 1:42
